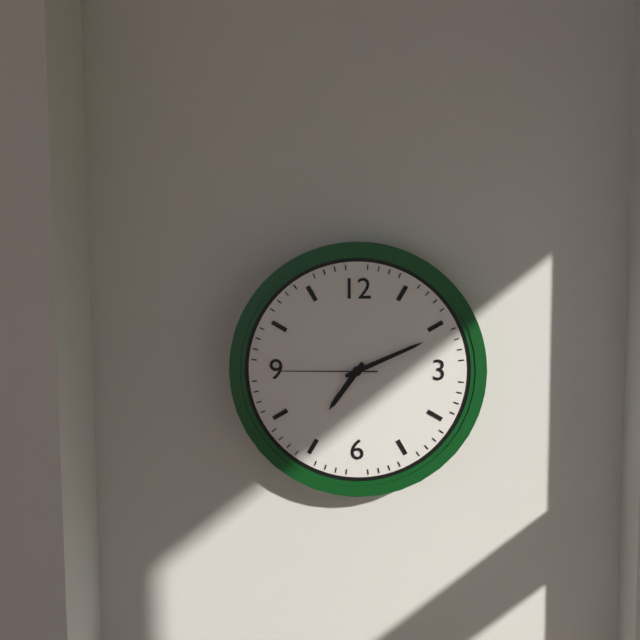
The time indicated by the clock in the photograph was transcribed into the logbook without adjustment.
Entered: 7:11:45
